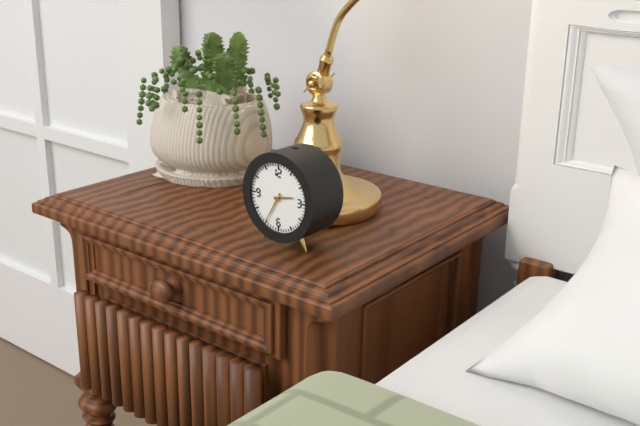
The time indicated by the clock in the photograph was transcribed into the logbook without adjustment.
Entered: 2:35
